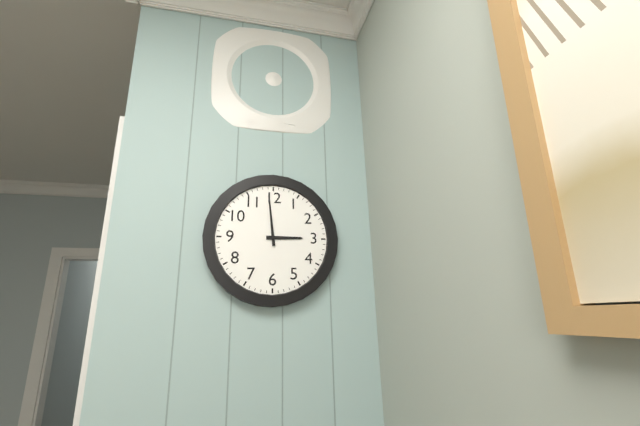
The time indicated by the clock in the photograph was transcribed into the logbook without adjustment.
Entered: 2:59
